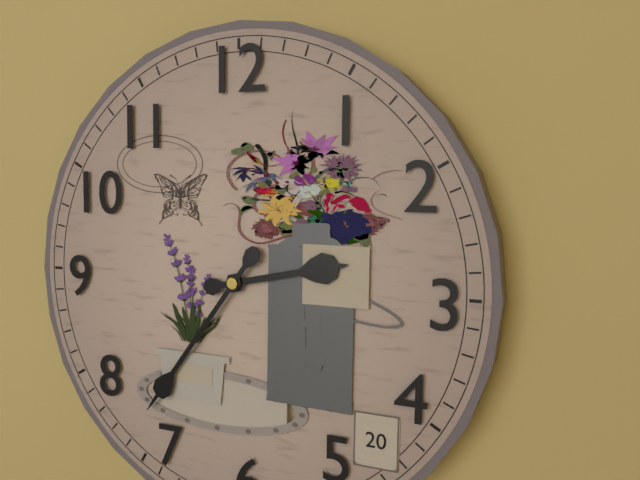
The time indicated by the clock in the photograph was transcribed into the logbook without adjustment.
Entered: 2:36
